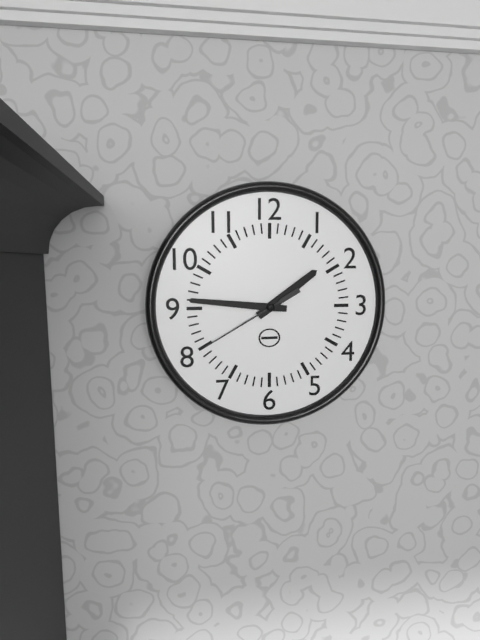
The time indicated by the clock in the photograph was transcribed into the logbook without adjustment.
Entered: 1:46:40
